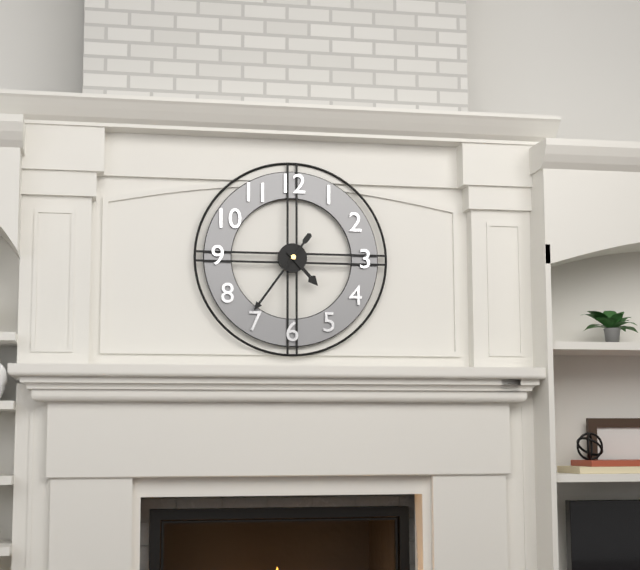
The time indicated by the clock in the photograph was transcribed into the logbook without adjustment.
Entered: 4:36
